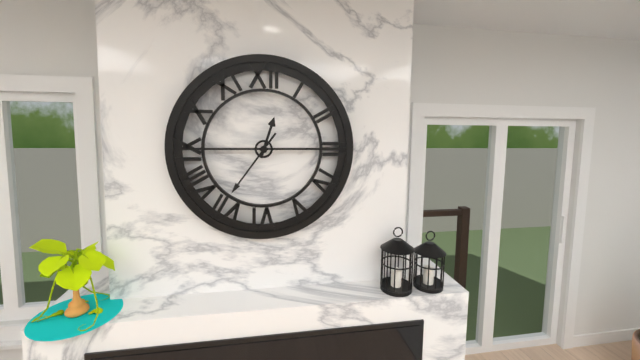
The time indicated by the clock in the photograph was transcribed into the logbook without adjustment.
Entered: 12:36
